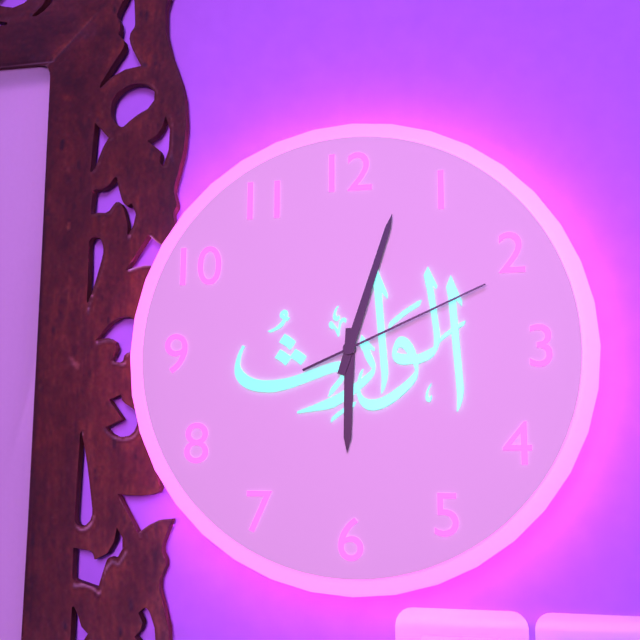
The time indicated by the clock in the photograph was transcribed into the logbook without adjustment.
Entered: 6:03:11
